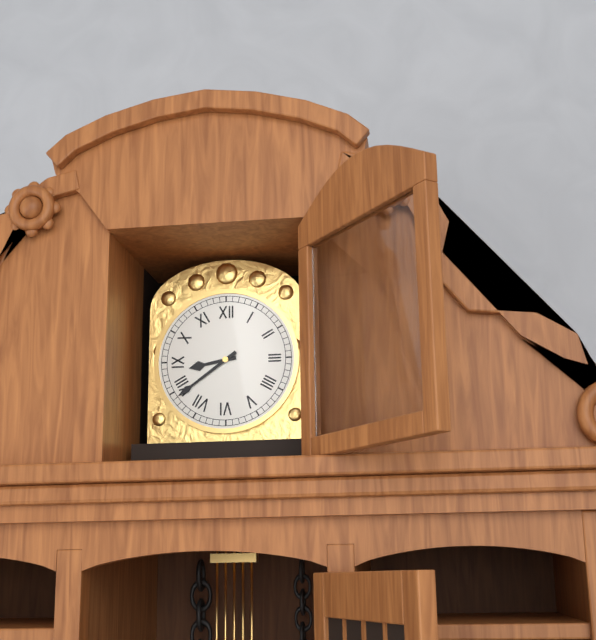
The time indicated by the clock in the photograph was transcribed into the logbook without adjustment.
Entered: 8:39
